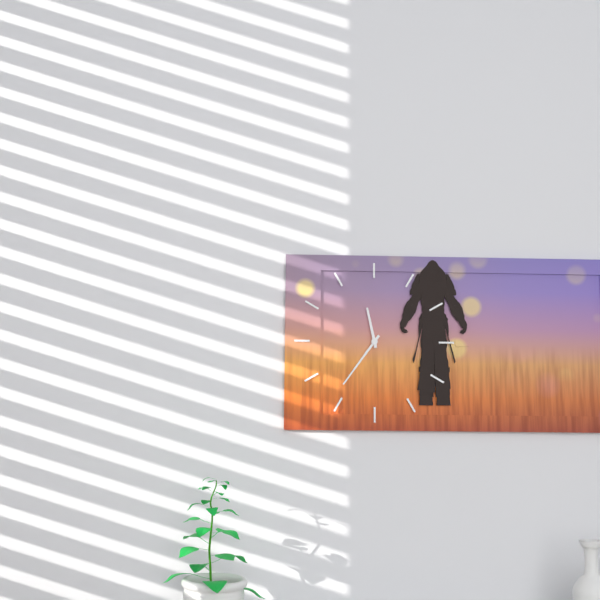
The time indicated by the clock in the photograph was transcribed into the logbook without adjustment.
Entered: 11:36
